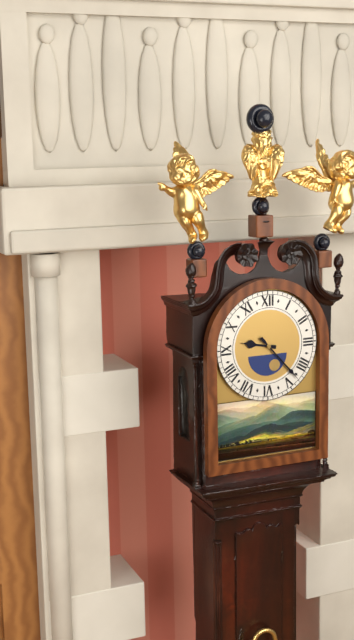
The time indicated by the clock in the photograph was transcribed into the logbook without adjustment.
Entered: 9:23
